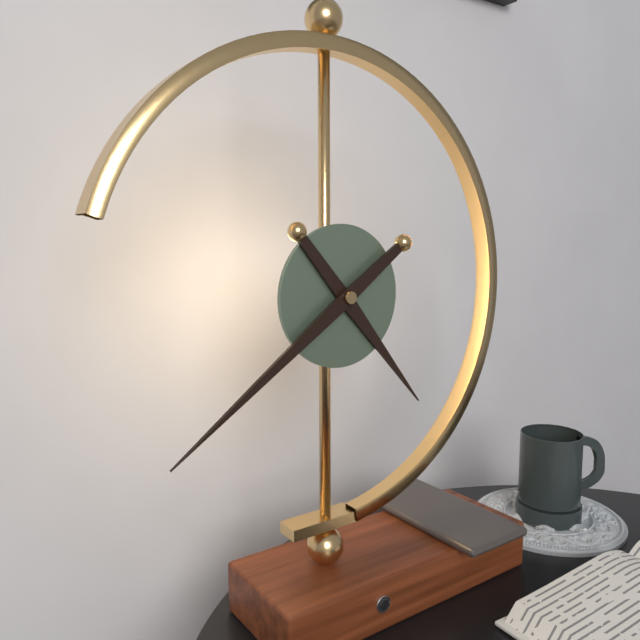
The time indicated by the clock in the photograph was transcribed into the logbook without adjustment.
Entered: 4:39
